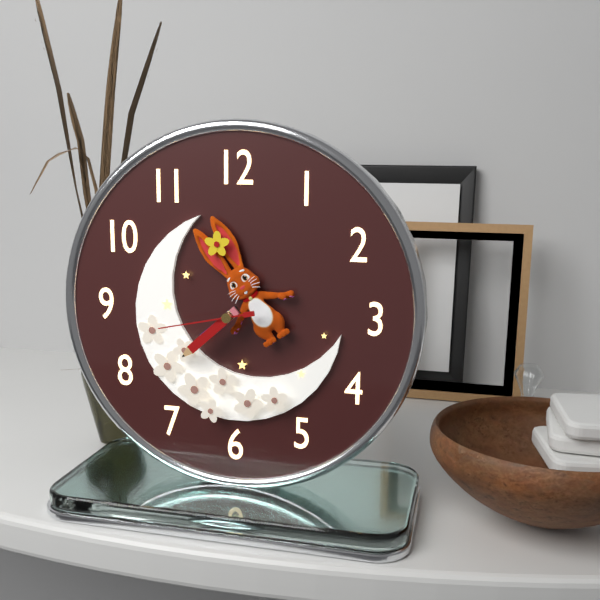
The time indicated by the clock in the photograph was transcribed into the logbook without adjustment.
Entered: 7:38:43
